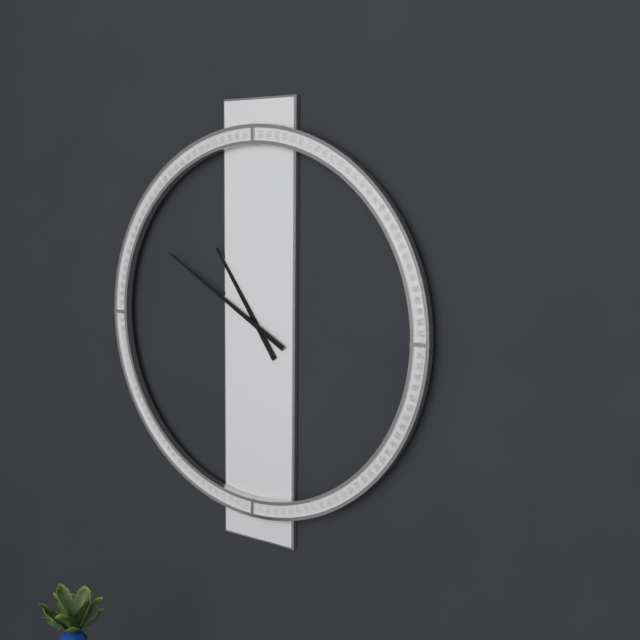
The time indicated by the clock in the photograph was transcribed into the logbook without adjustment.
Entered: 10:50
